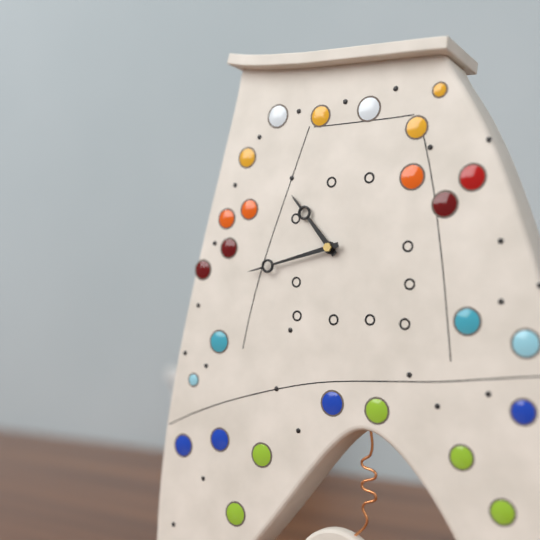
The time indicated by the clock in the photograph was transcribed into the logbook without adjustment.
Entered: 10:43
